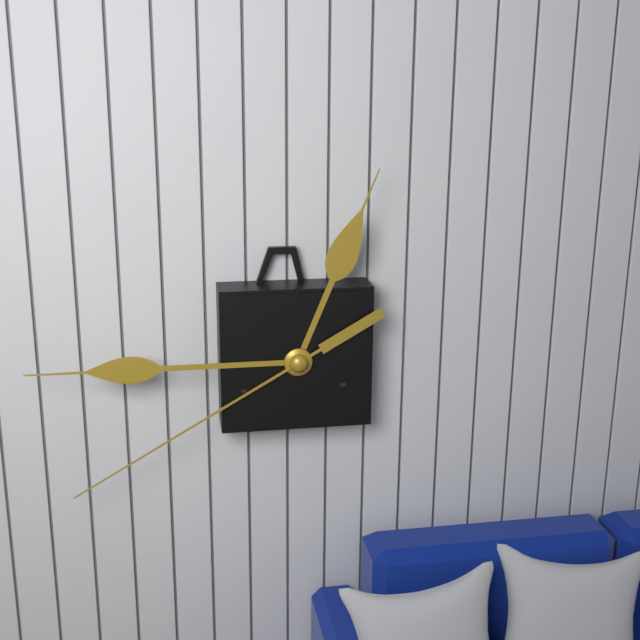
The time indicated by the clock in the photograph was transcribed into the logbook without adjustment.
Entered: 12:45:40
